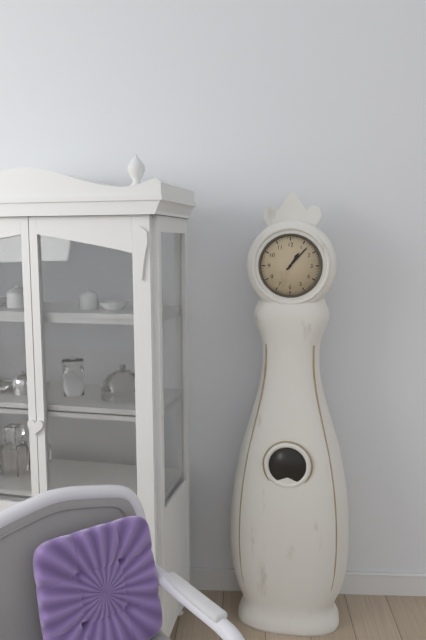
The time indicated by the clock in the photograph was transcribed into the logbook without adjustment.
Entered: 1:07
